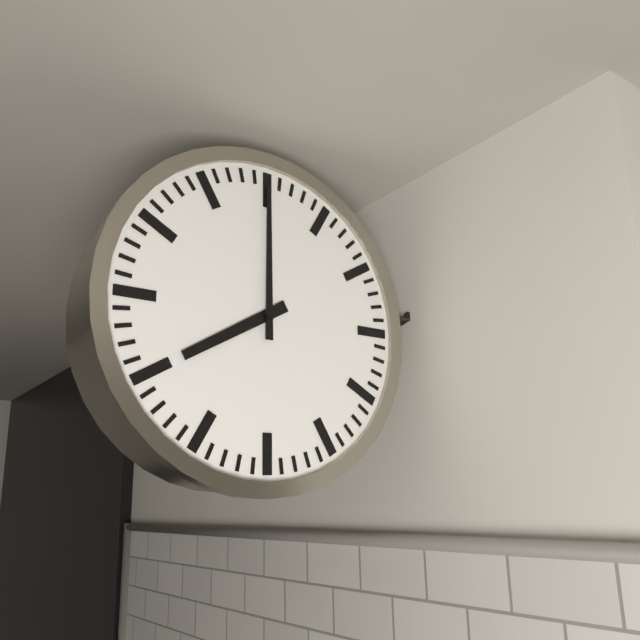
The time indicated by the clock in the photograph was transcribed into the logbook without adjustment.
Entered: 8:00
